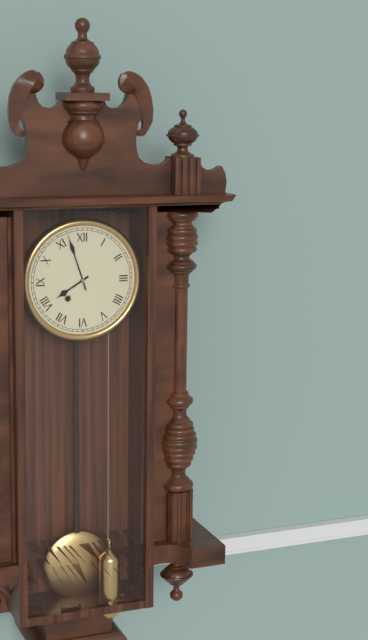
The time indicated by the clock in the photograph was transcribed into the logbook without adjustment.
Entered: 7:57
